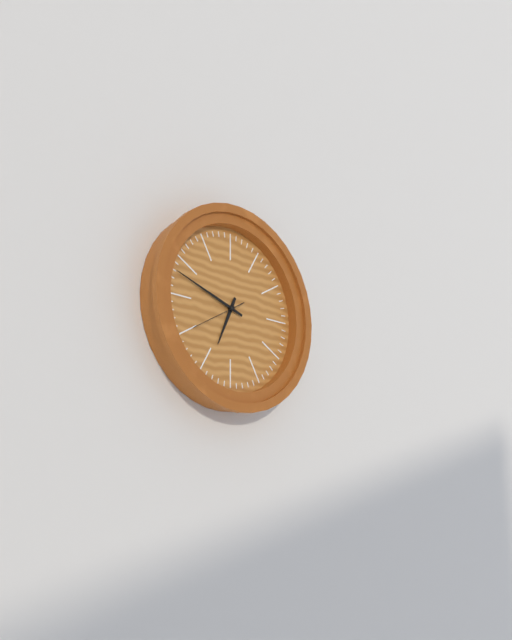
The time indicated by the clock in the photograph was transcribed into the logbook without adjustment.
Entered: 6:48:40
